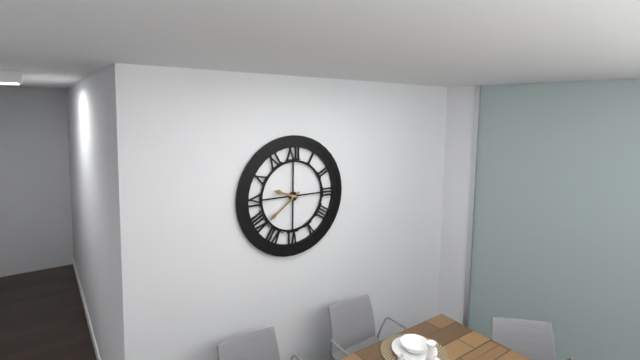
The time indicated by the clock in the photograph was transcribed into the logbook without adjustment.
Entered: 9:39
